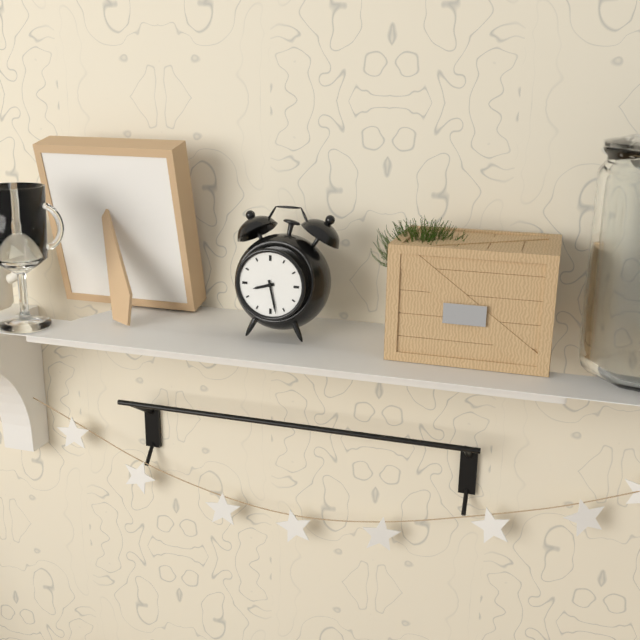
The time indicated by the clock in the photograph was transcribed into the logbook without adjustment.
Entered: 8:28
